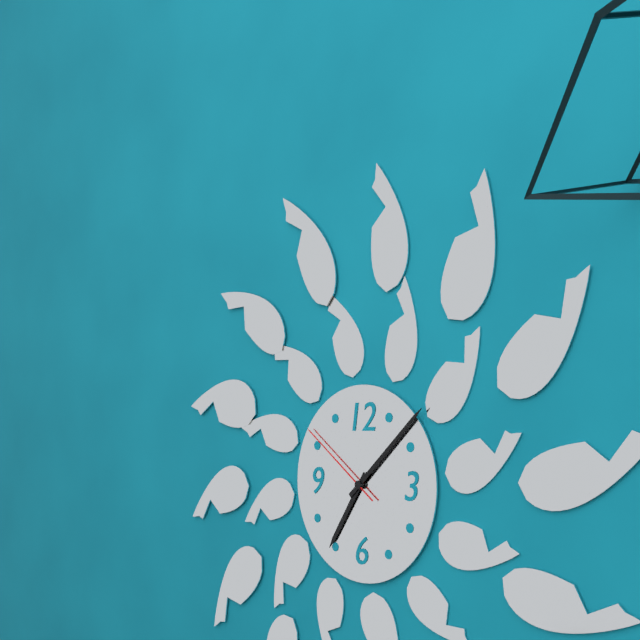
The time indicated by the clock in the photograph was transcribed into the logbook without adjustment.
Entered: 7:08:51
